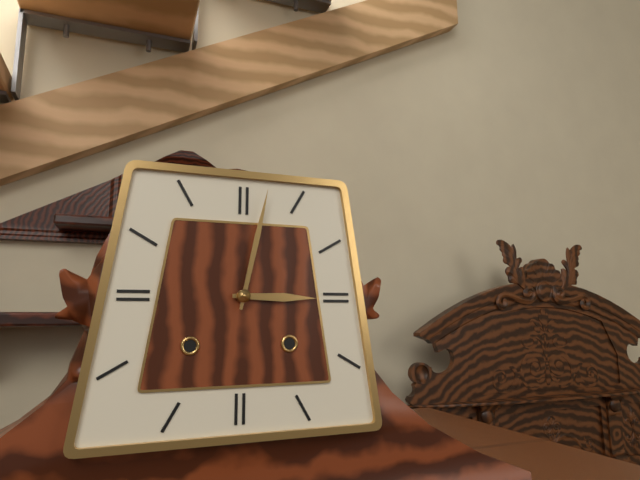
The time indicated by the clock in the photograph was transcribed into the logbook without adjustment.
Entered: 3:02
